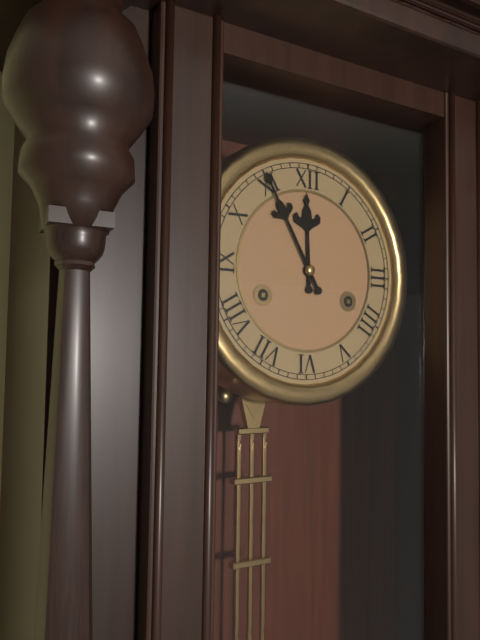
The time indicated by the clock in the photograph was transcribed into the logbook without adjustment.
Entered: 11:55
